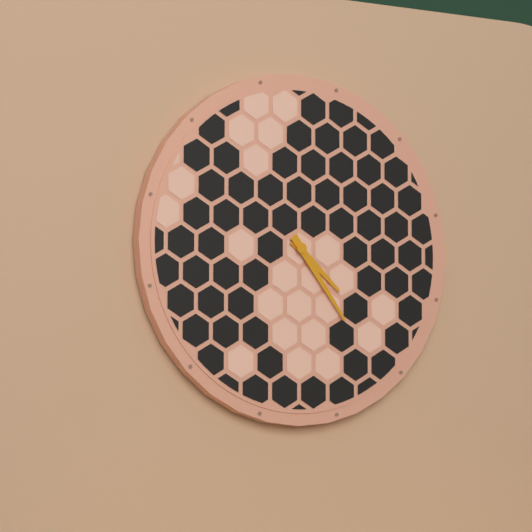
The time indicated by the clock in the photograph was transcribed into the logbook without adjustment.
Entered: 4:24
